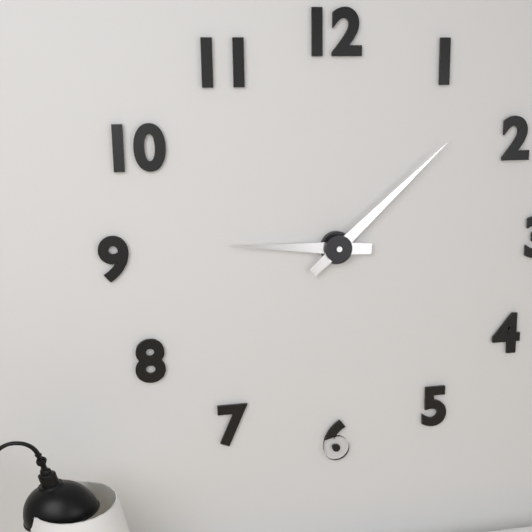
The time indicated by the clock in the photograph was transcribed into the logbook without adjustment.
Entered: 9:08
